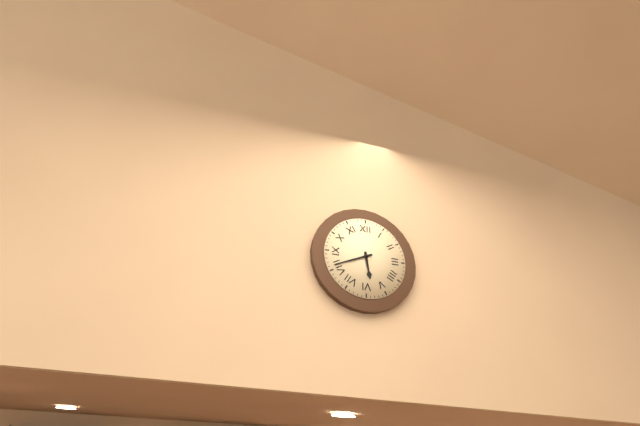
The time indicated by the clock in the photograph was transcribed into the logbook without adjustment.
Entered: 5:41
